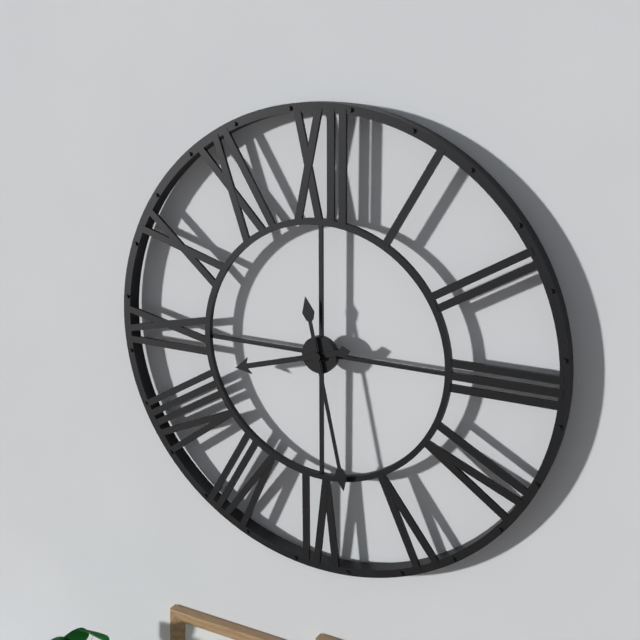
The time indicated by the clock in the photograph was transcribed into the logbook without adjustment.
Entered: 8:28
